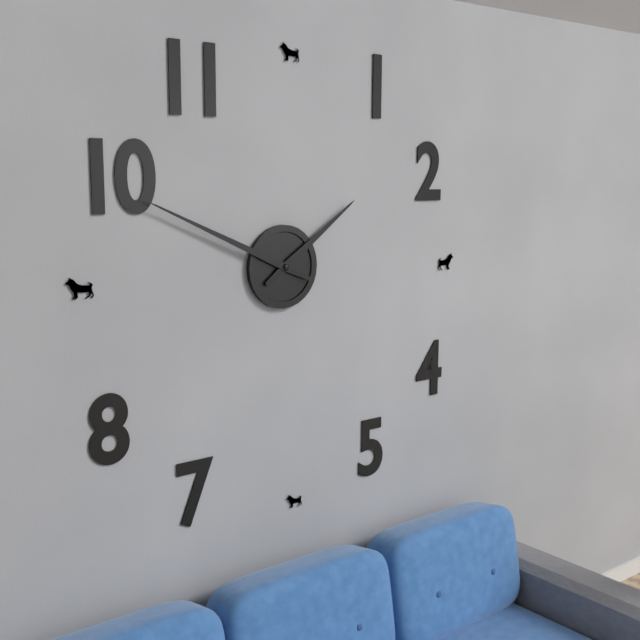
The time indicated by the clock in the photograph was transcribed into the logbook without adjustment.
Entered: 1:49
